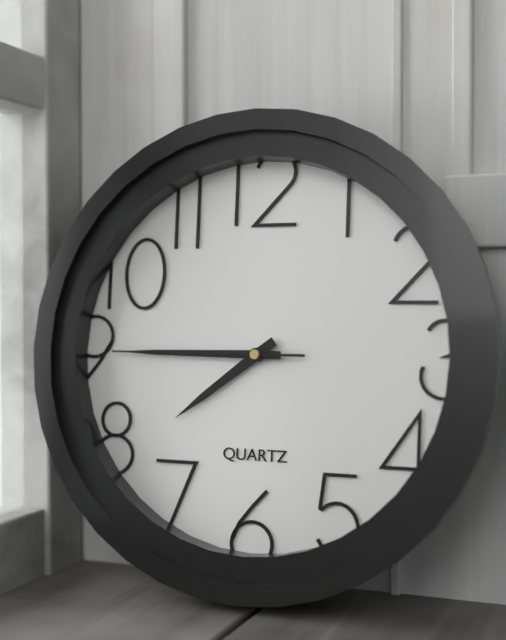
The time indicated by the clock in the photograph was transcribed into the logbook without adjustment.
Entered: 7:45:45
